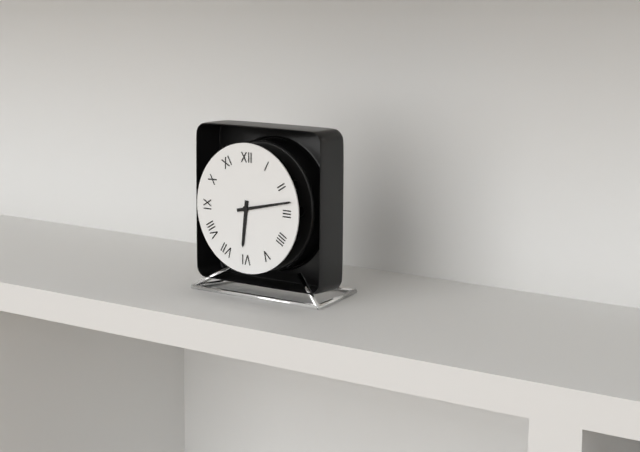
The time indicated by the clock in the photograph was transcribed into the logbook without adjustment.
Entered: 6:13
